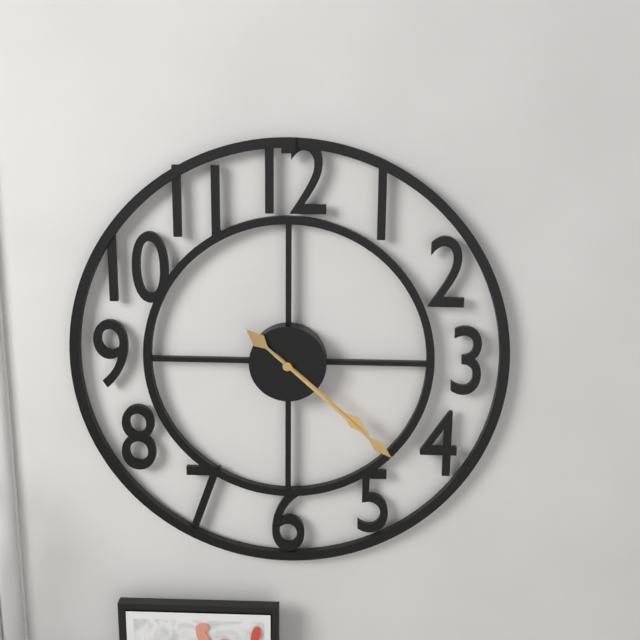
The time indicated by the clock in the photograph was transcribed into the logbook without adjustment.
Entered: 4:22
